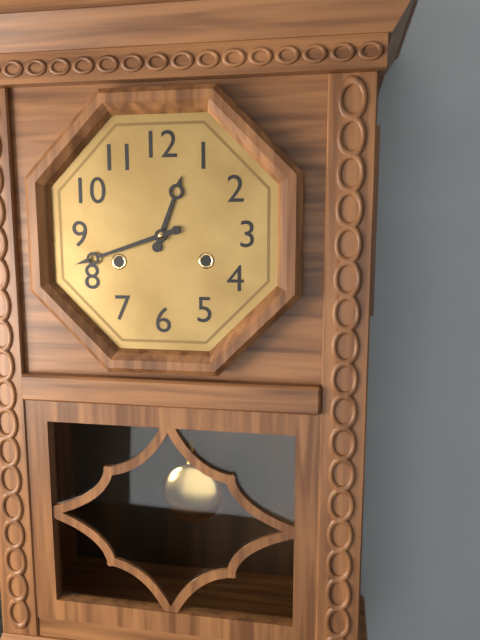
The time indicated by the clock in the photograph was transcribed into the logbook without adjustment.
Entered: 12:42
